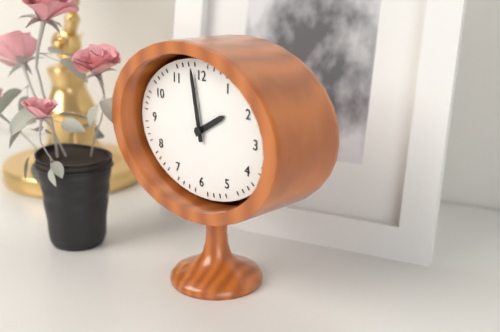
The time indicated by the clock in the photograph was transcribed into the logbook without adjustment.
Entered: 1:58
